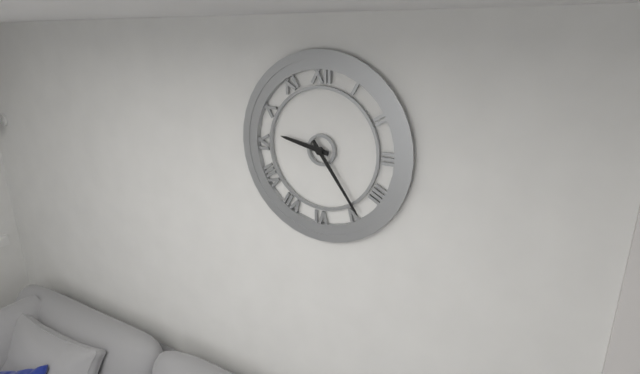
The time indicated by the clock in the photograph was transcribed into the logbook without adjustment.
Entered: 9:24
